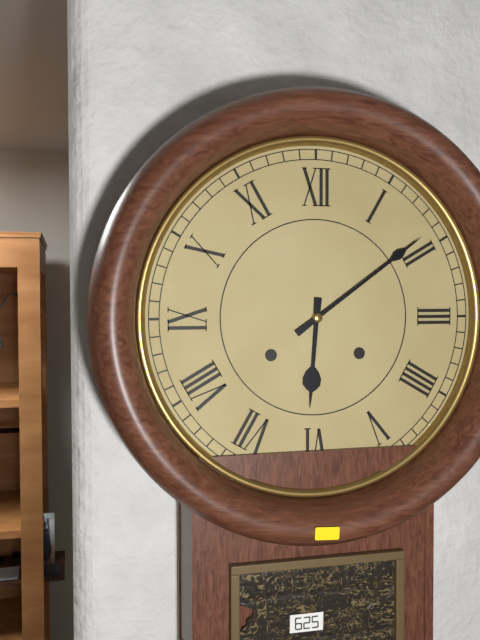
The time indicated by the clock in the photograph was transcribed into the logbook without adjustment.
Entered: 6:09
